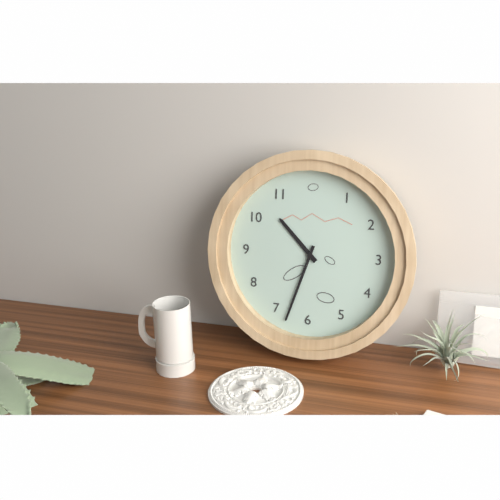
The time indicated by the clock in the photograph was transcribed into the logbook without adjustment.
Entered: 10:33
